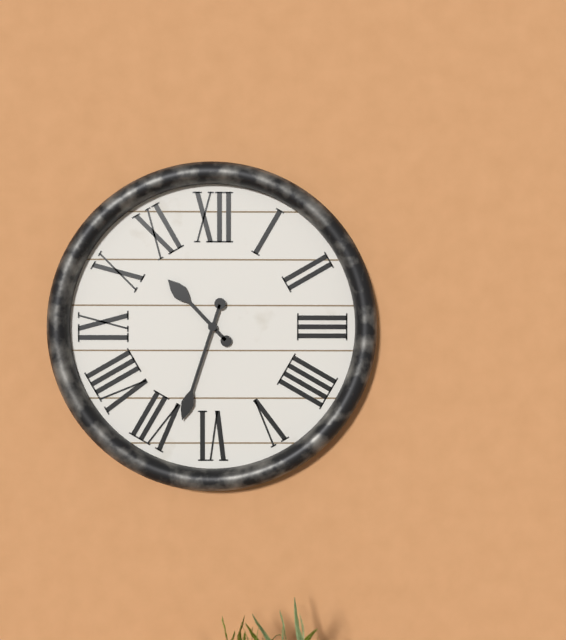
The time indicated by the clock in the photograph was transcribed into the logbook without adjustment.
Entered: 10:33
